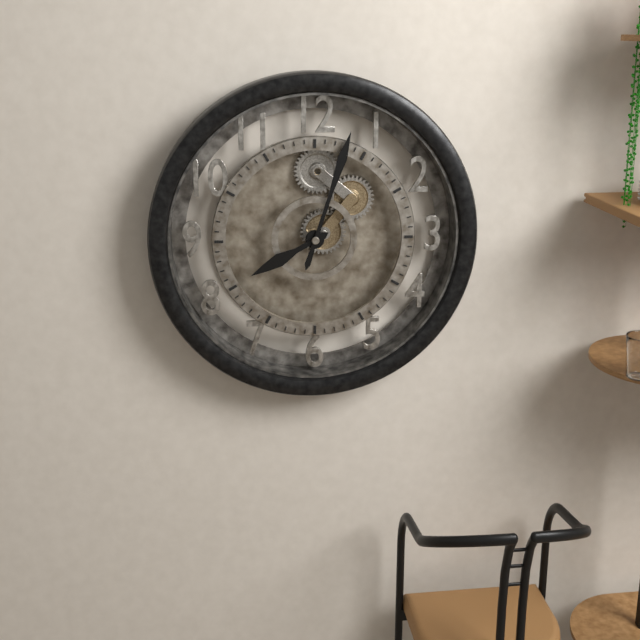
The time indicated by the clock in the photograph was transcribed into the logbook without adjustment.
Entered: 8:03
